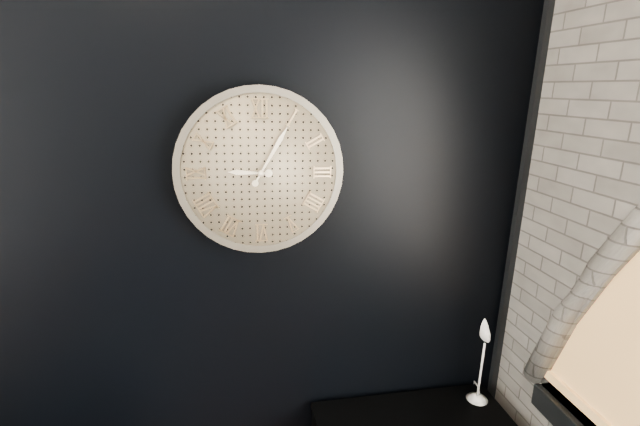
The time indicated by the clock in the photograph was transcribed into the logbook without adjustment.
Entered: 9:05
